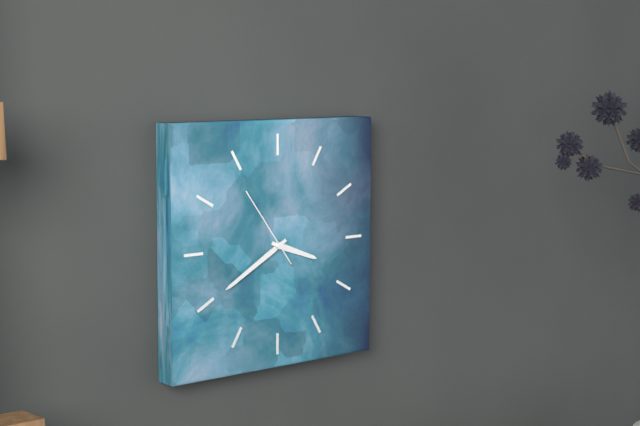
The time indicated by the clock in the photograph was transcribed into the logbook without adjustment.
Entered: 3:40:54
